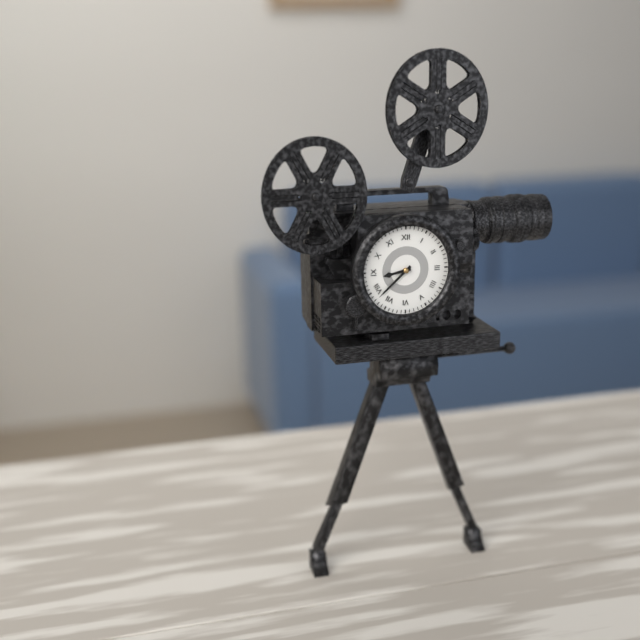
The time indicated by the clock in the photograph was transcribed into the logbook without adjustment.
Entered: 8:38
